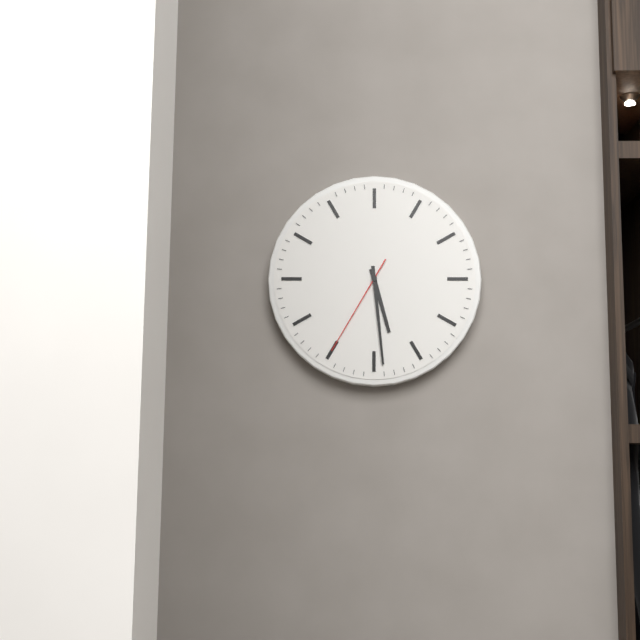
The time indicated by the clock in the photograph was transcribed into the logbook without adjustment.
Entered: 5:29:35
